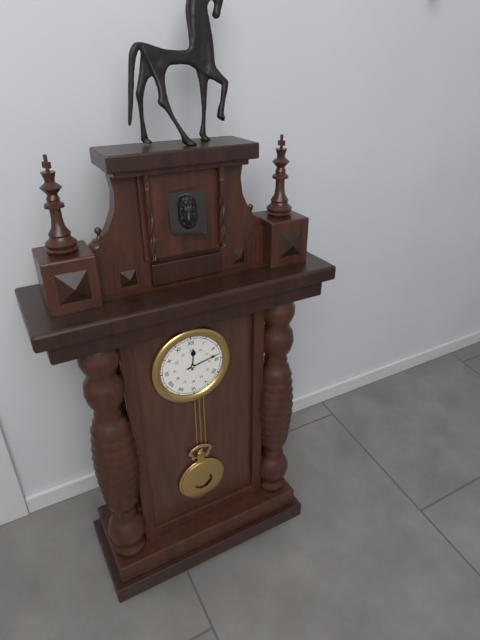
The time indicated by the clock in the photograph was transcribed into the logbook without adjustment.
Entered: 12:13
